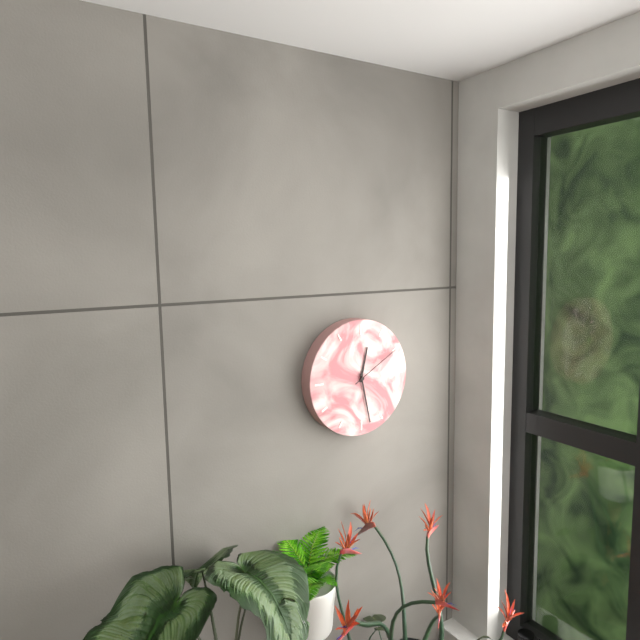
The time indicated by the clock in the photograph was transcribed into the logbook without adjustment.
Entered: 12:28:10
